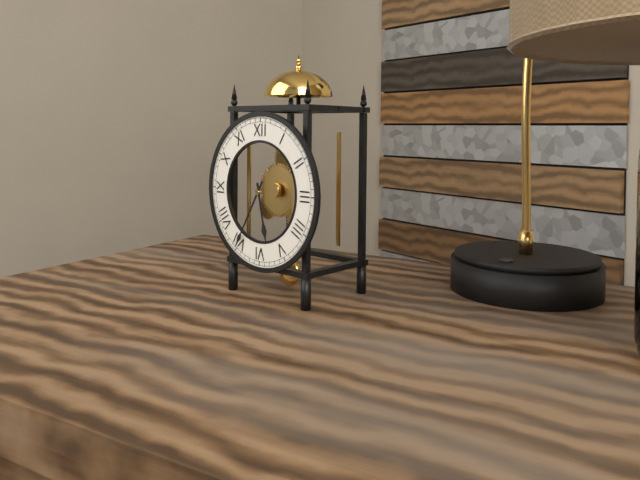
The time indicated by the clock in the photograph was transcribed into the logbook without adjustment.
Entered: 5:35
